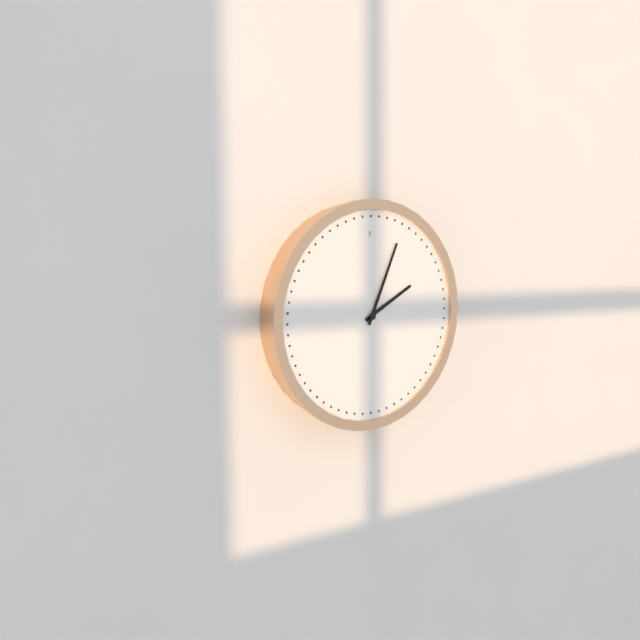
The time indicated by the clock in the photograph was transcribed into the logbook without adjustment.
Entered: 2:04
